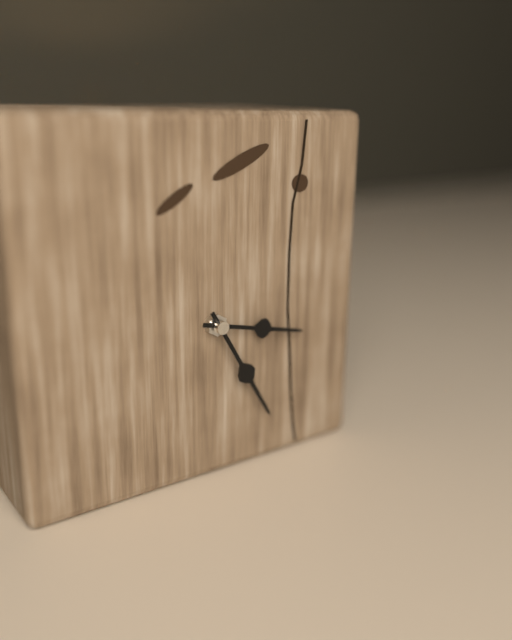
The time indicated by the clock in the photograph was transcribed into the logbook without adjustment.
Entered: 3:25
